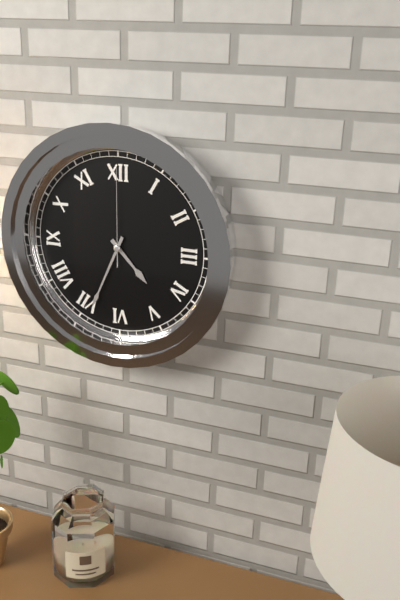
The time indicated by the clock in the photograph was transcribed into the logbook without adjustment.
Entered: 4:34:00
